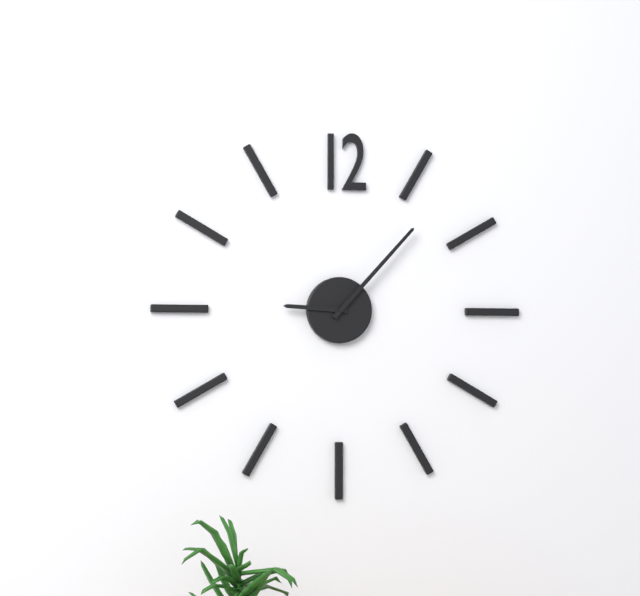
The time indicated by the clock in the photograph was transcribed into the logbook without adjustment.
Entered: 9:07
